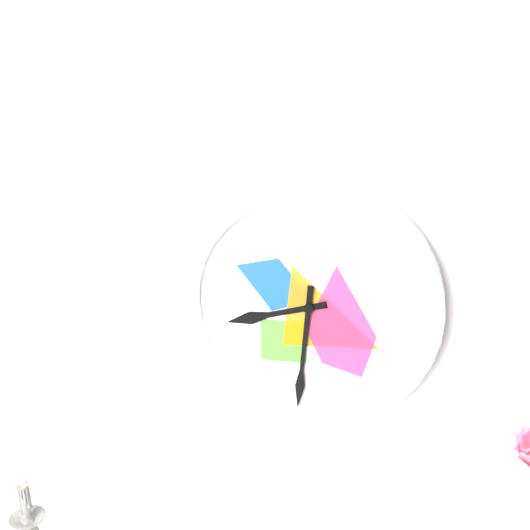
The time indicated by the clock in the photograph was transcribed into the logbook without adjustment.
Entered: 8:31
